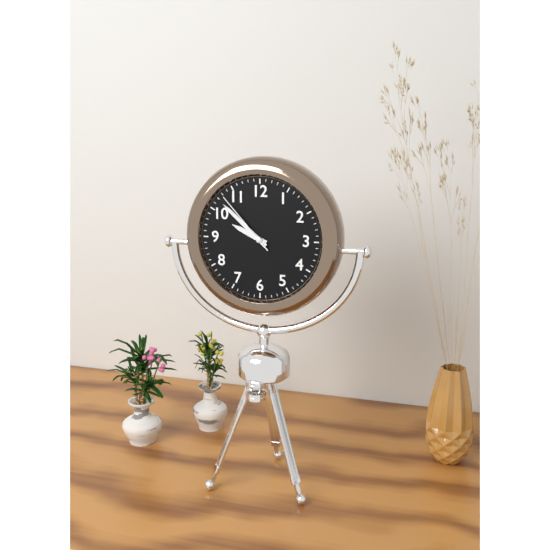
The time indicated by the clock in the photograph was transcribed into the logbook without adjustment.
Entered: 9:52:53
